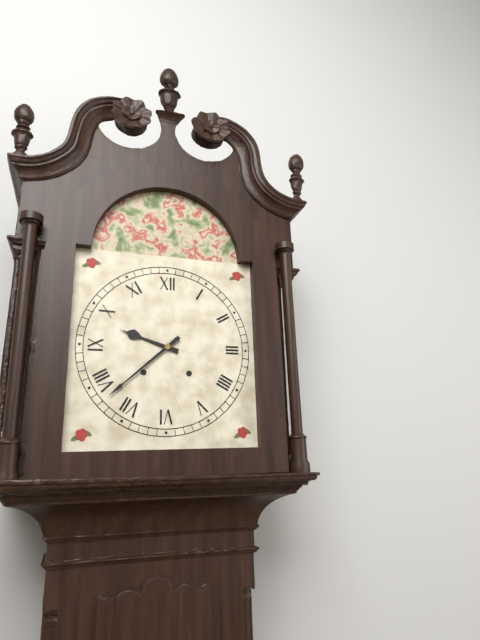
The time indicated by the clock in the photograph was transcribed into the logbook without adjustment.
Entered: 9:38
